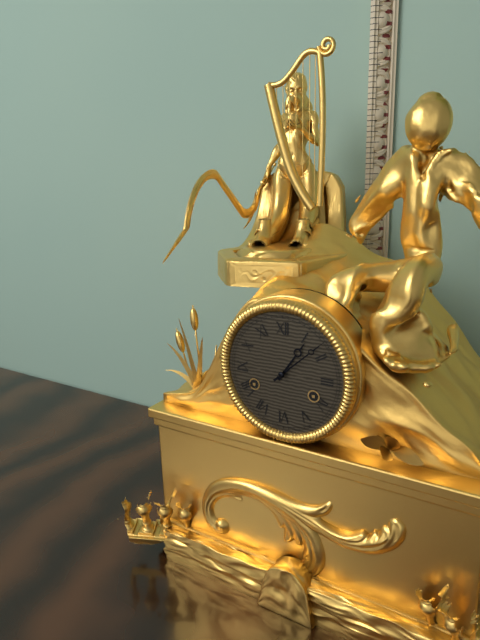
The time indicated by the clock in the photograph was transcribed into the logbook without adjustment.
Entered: 1:08
